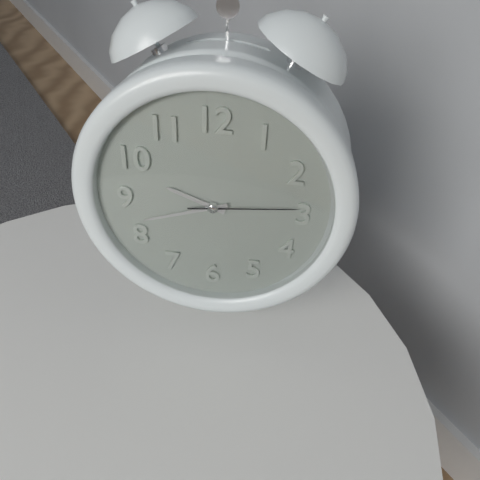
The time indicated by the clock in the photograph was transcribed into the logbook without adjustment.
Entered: 9:42:14
